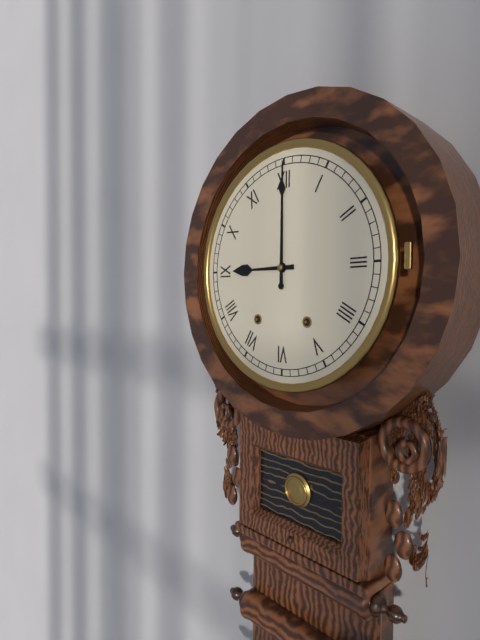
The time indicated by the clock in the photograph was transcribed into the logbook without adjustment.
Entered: 9:00
